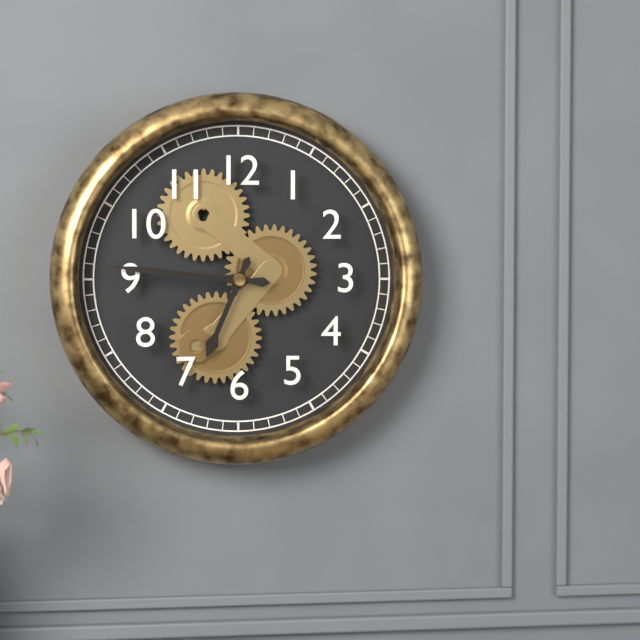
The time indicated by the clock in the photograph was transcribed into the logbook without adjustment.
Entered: 6:46
